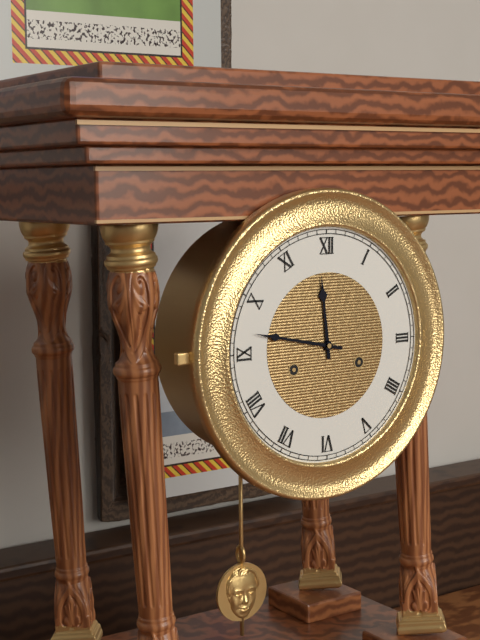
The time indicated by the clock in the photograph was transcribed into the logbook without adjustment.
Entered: 11:47
